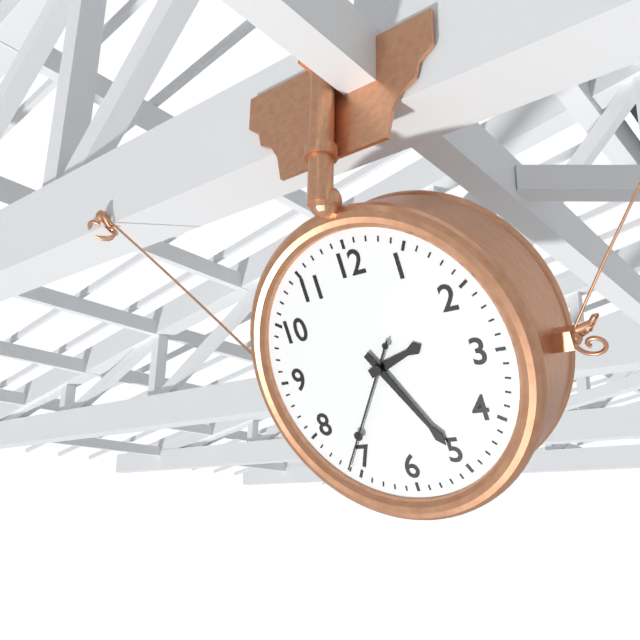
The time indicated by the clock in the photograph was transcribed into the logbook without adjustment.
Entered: 2:25:36
